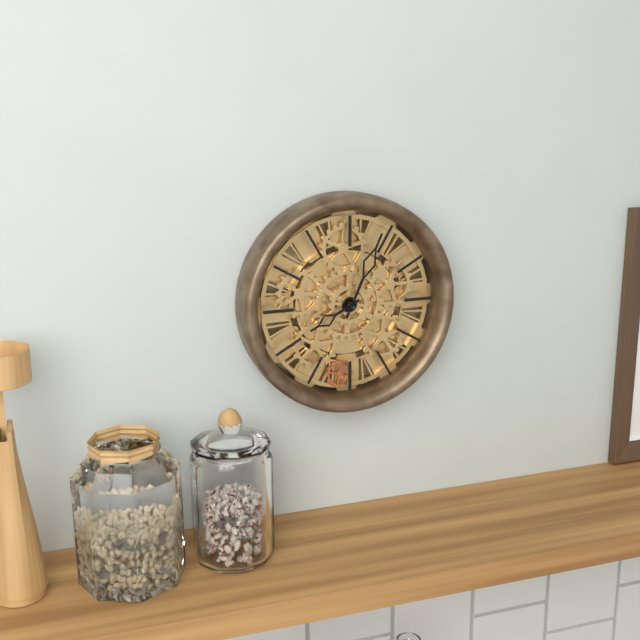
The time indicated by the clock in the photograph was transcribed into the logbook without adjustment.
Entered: 8:04
